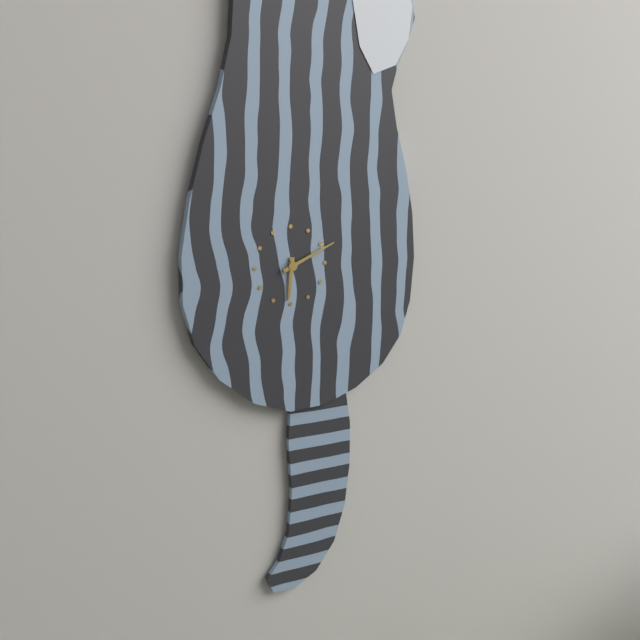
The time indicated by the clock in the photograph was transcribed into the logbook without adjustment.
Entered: 6:11
